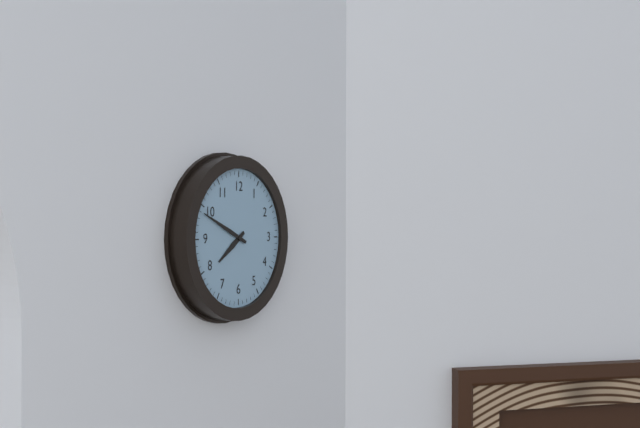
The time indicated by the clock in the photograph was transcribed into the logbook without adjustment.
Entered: 7:49
